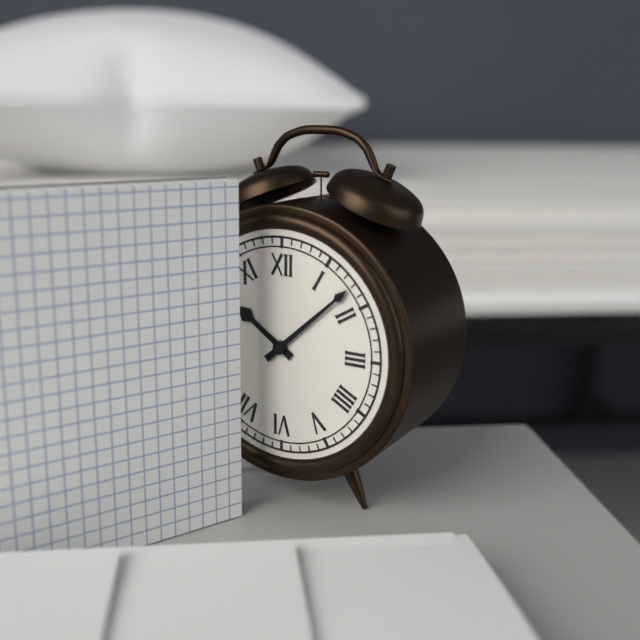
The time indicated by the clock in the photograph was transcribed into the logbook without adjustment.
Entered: 10:08
